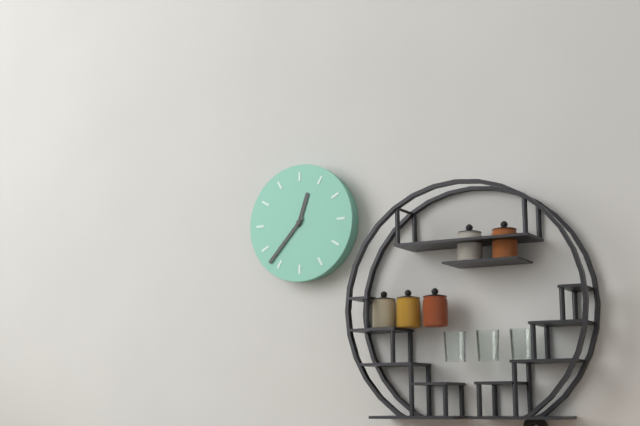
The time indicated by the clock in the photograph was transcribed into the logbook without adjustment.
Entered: 12:37
